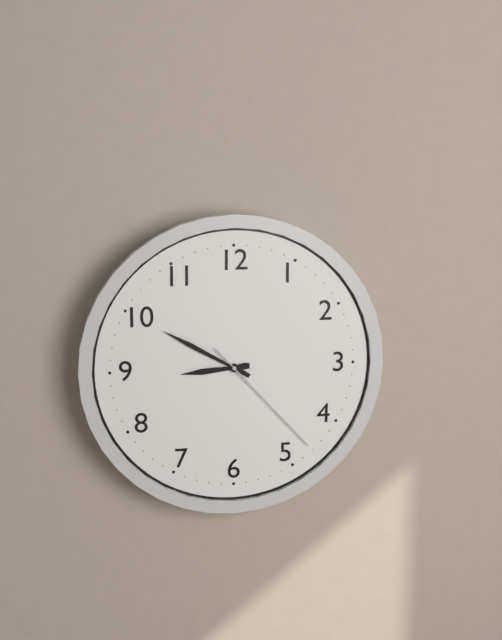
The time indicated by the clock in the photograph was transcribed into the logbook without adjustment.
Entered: 8:50:23
